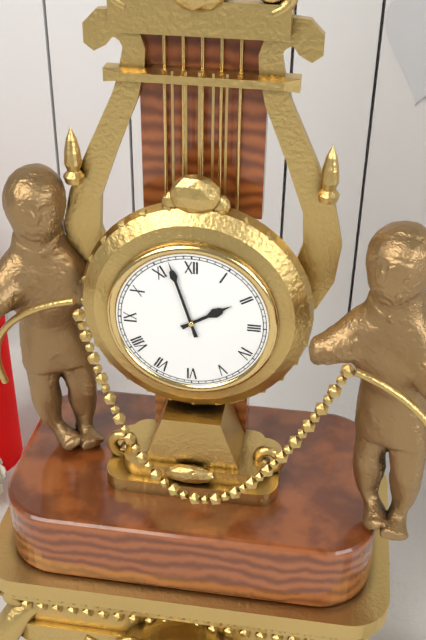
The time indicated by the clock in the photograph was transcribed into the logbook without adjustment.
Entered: 1:57
